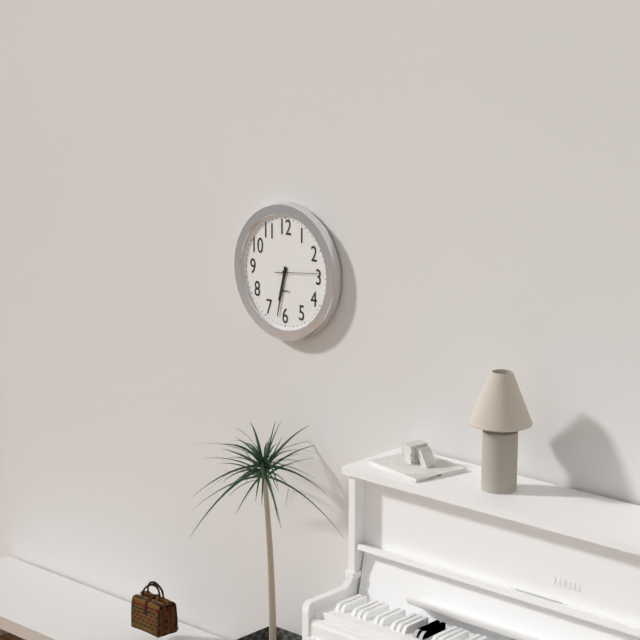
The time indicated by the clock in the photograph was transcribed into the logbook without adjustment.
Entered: 6:32
